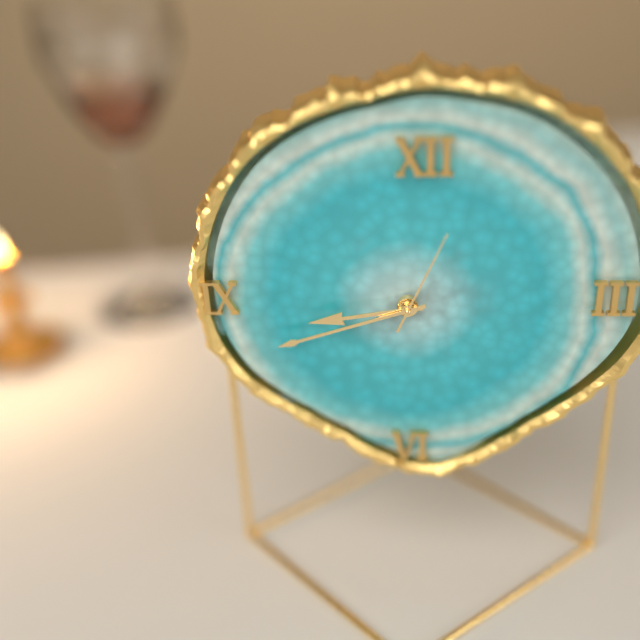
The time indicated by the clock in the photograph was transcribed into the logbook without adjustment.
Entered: 8:42:04
